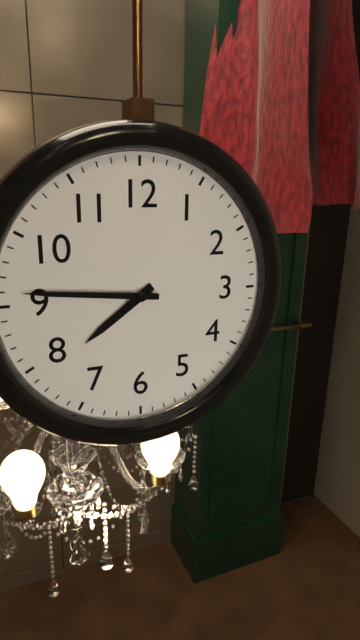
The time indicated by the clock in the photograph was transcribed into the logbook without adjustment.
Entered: 7:46
